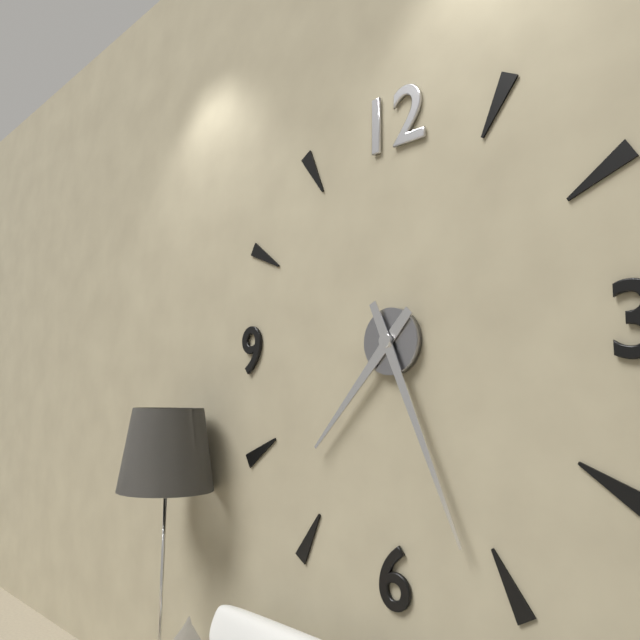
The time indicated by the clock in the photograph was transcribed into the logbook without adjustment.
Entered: 7:26
